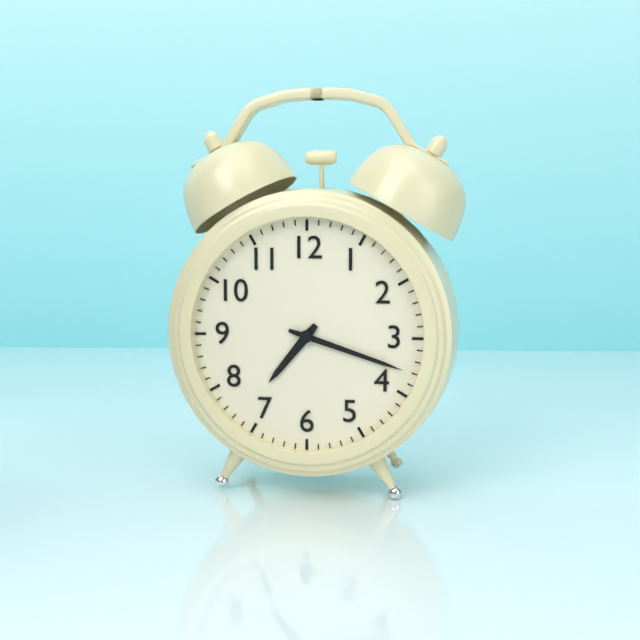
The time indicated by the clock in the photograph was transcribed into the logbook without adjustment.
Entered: 7:18
